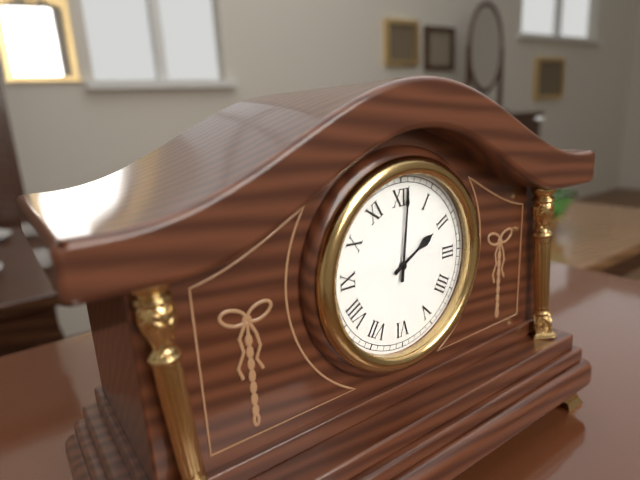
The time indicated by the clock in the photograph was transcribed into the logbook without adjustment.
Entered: 2:01
